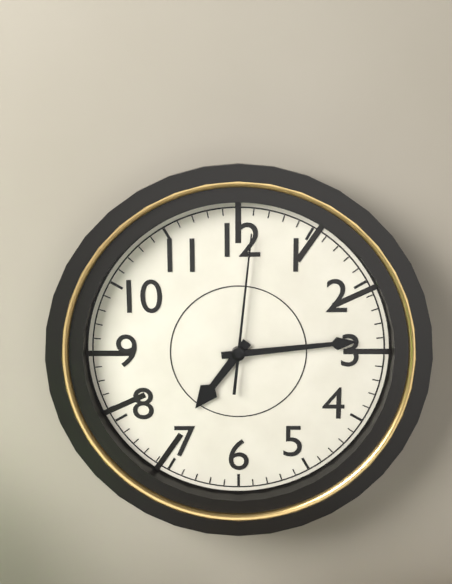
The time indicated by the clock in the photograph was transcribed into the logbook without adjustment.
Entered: 7:14:01
